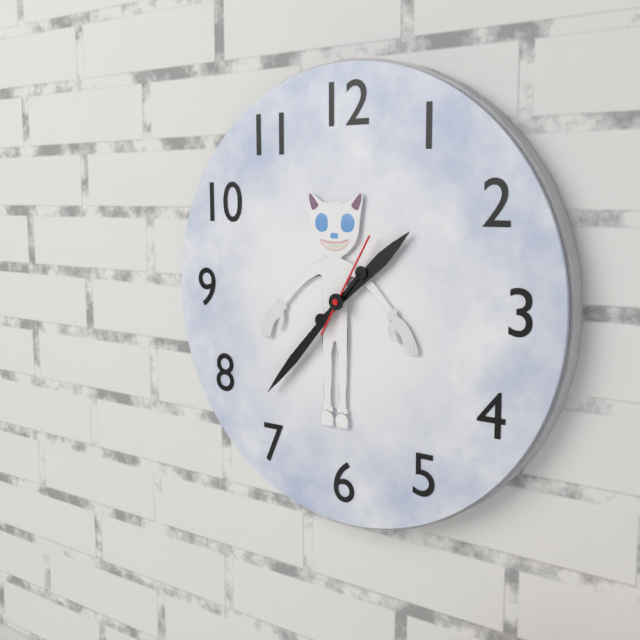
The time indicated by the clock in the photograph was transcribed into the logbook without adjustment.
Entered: 1:37:05
